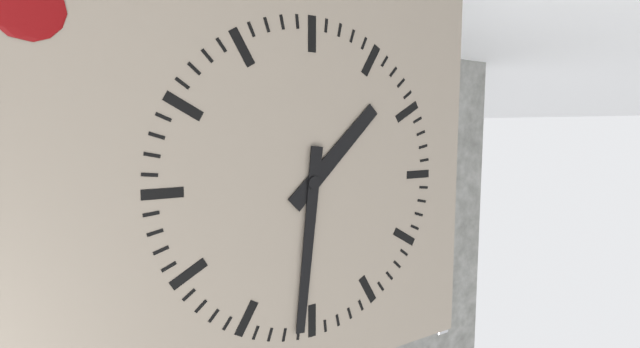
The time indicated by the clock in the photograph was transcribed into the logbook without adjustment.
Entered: 1:31
